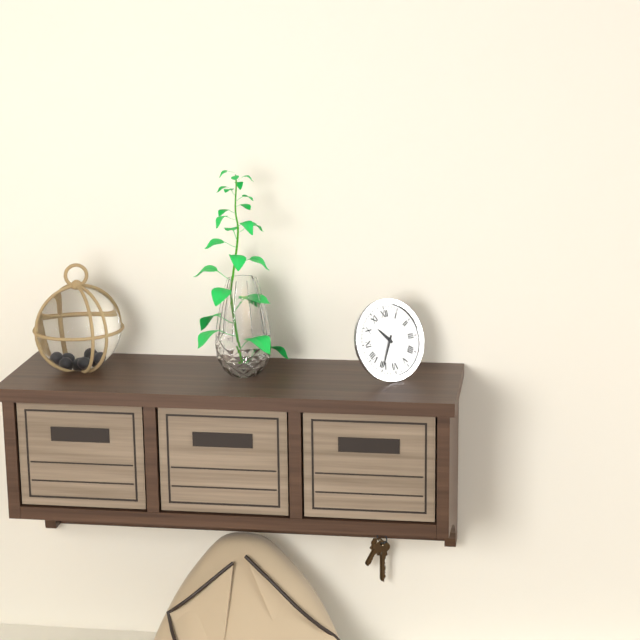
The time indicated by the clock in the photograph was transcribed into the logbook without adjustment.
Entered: 10:35
